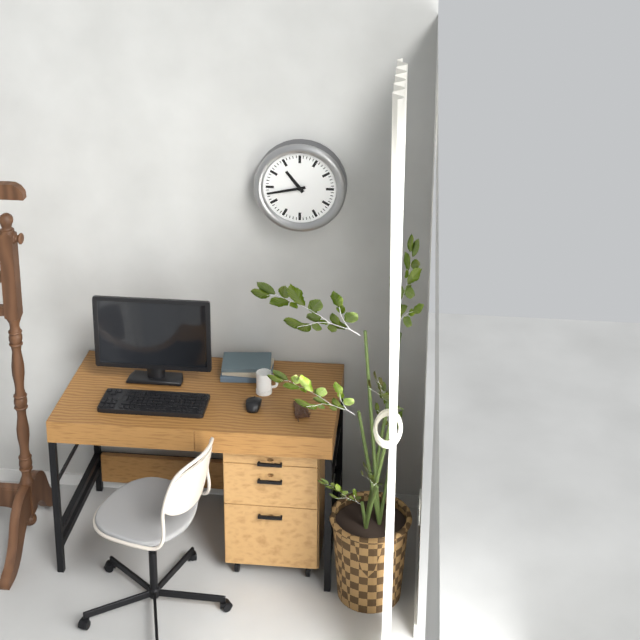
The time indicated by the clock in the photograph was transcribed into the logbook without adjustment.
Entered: 10:43
